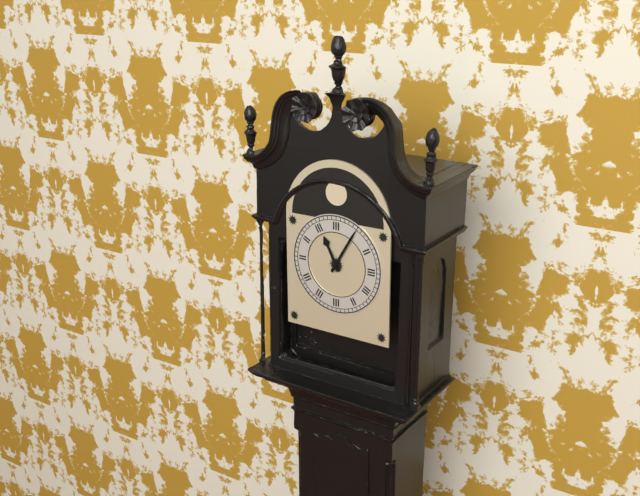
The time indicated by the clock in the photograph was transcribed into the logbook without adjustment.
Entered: 11:05
